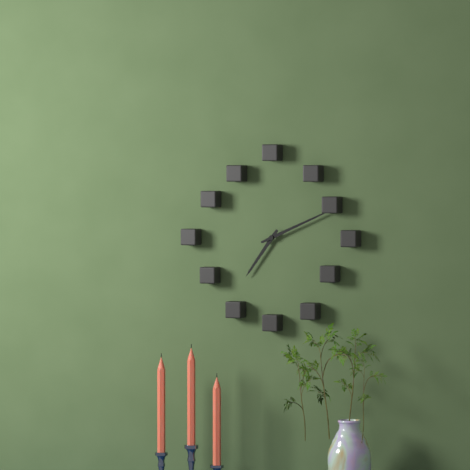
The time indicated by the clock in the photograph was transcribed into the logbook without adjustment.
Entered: 7:11
